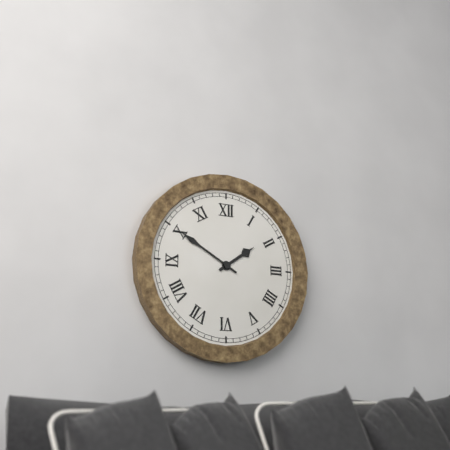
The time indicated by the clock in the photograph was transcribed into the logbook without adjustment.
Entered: 1:50
